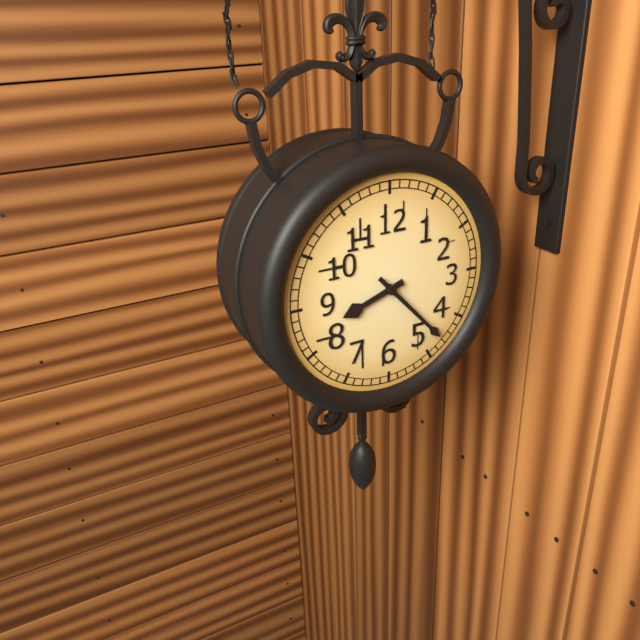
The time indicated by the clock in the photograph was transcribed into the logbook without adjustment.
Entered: 8:23
